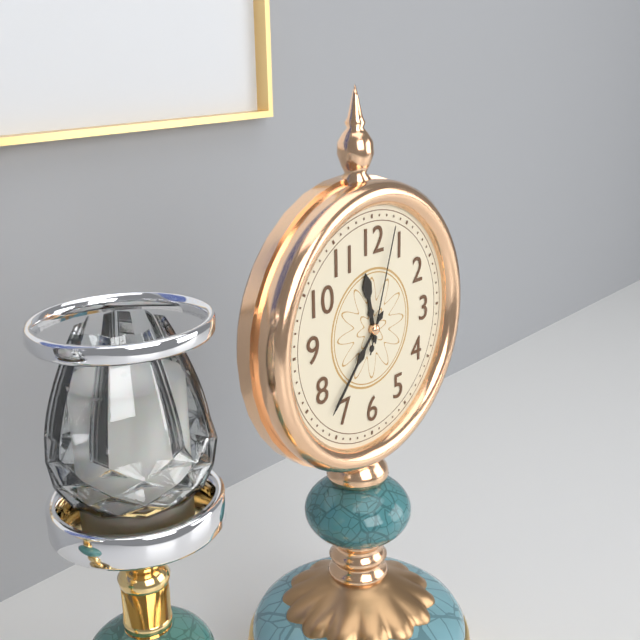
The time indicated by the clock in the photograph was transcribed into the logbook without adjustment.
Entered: 11:37:03
